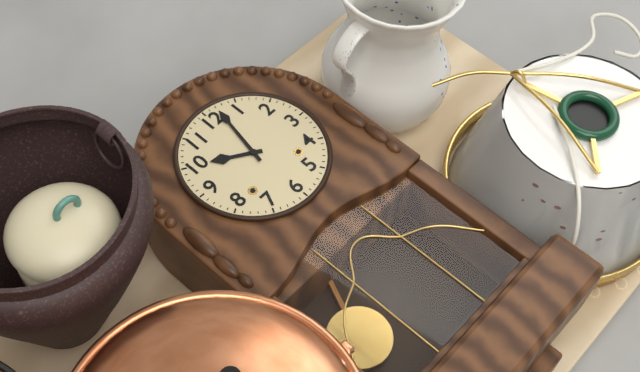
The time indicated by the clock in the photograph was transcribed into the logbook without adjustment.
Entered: 10:02
